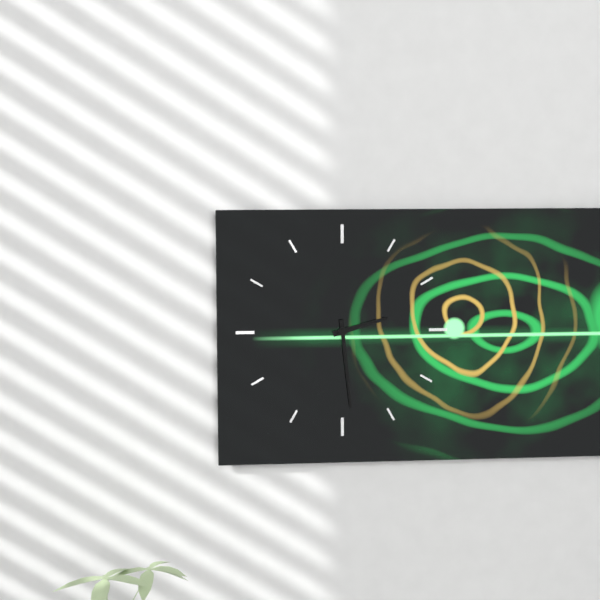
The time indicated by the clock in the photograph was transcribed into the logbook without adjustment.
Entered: 2:29
